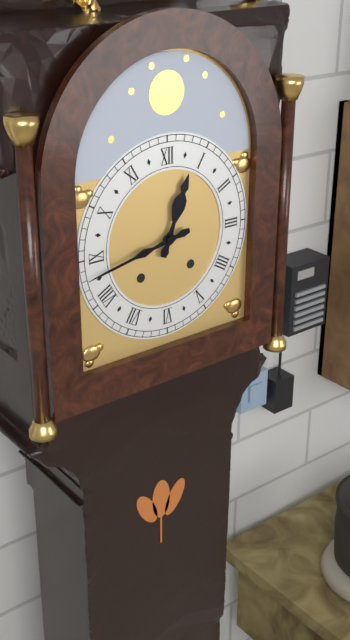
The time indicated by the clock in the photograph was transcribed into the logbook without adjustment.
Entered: 12:43
